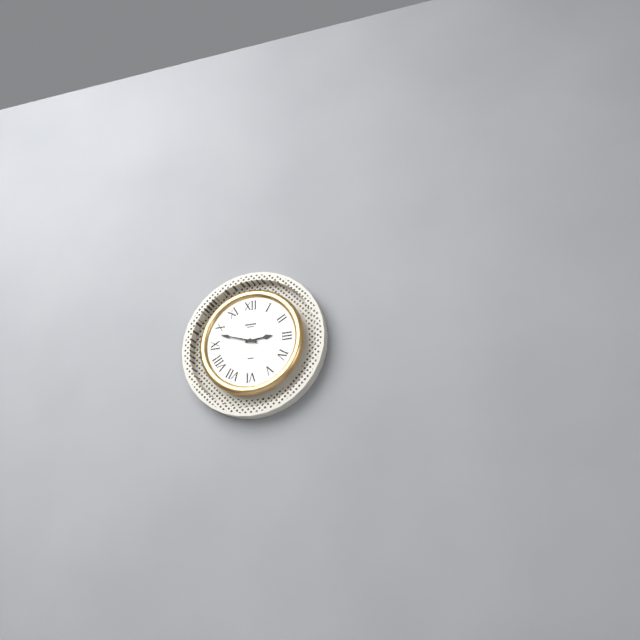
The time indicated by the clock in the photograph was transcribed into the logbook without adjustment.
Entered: 2:48
